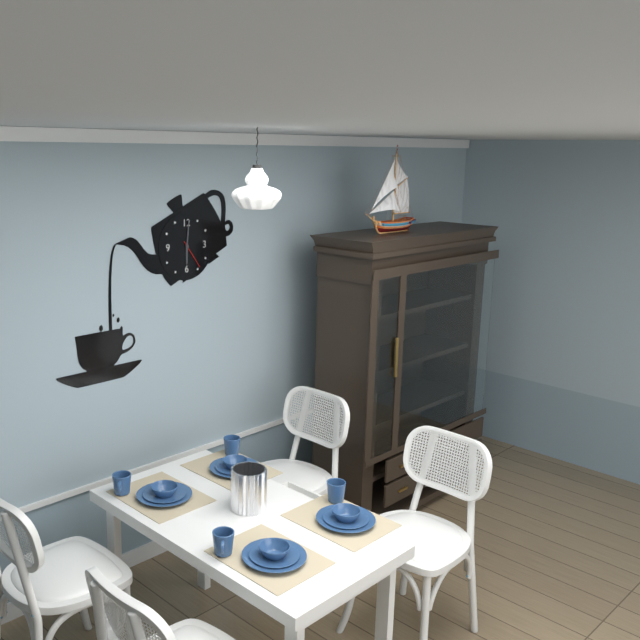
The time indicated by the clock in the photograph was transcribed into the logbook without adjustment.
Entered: 6:01
